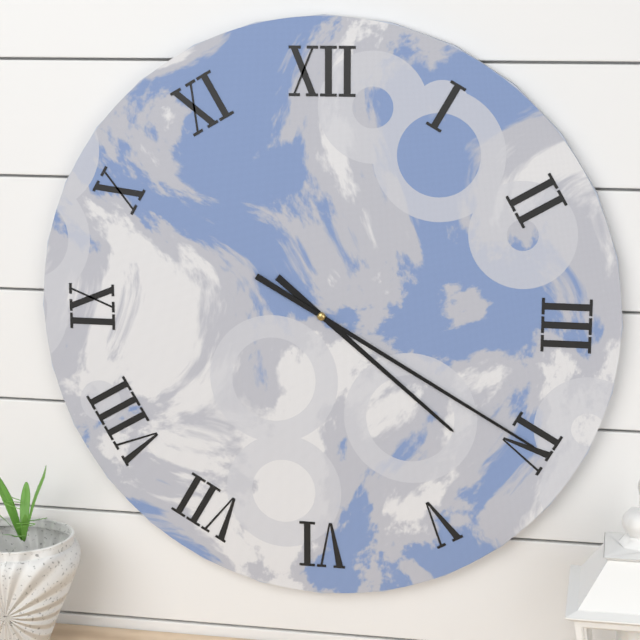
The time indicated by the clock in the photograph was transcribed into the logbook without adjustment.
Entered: 4:20
